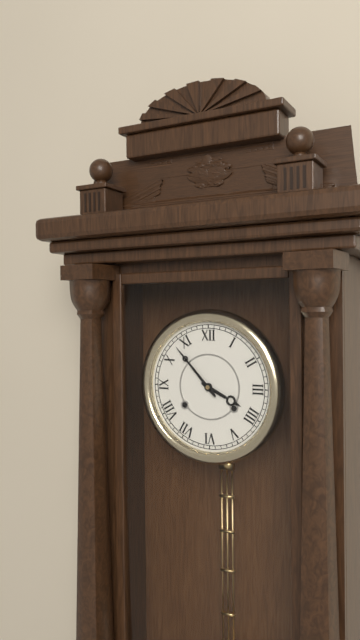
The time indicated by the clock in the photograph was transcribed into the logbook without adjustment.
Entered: 3:53
